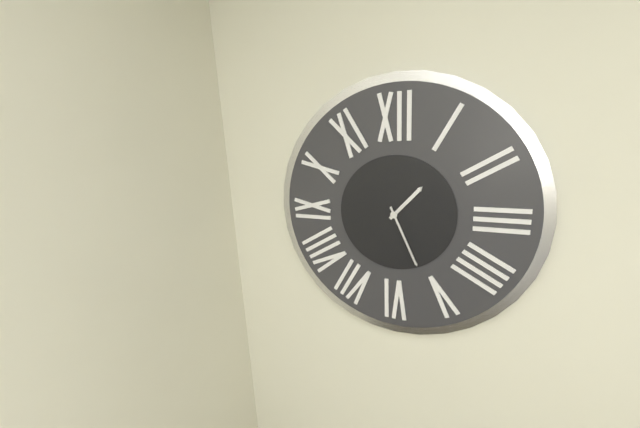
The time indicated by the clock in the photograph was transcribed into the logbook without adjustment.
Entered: 1:26
